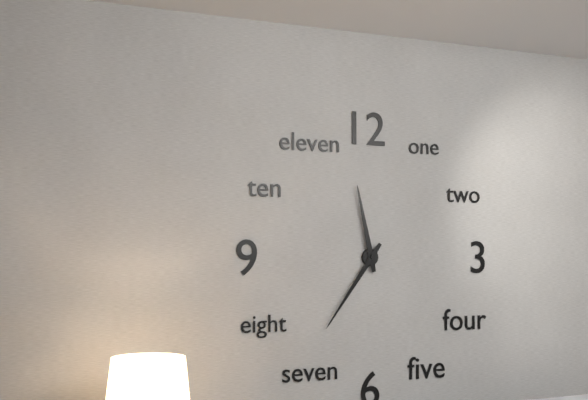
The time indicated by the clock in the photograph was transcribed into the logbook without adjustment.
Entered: 11:36
